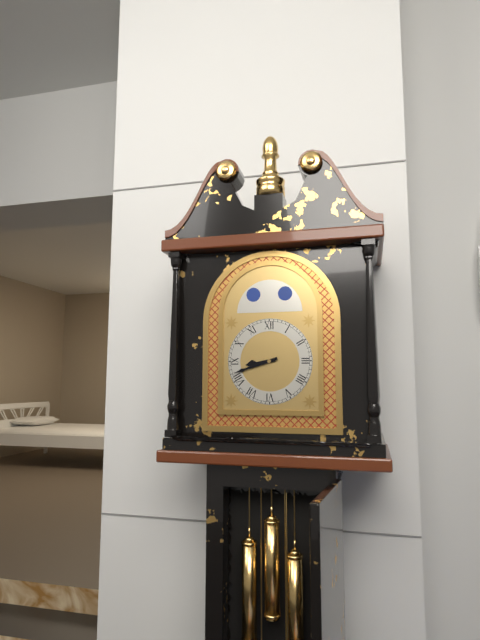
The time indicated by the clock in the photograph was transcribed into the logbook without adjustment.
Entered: 8:42
